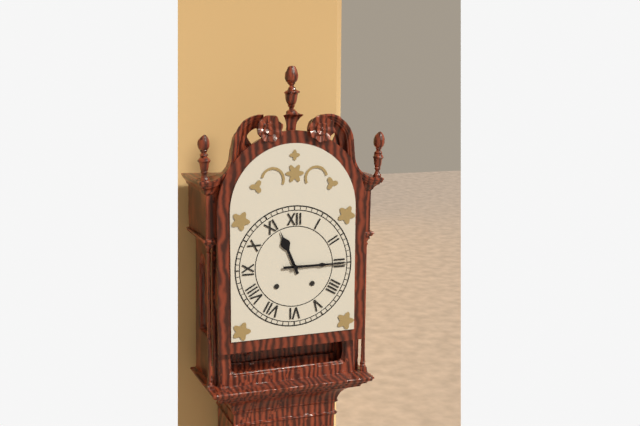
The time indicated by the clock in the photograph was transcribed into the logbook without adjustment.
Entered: 11:15
